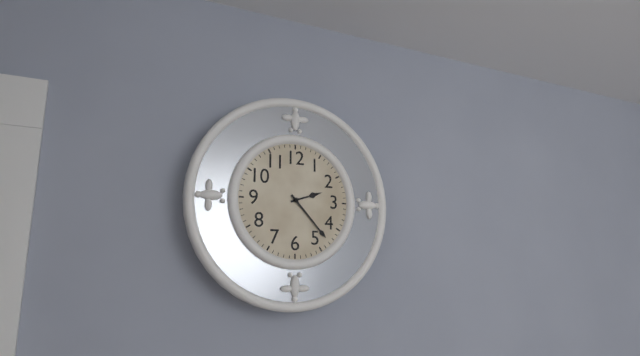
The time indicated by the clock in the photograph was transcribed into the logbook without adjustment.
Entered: 2:23
